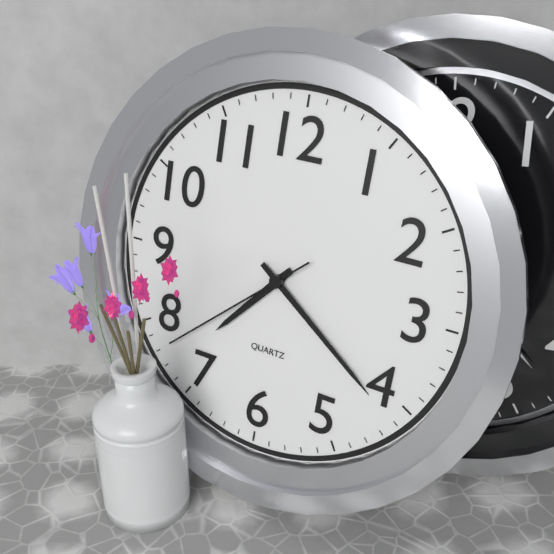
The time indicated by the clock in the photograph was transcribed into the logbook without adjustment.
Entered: 7:21:38
